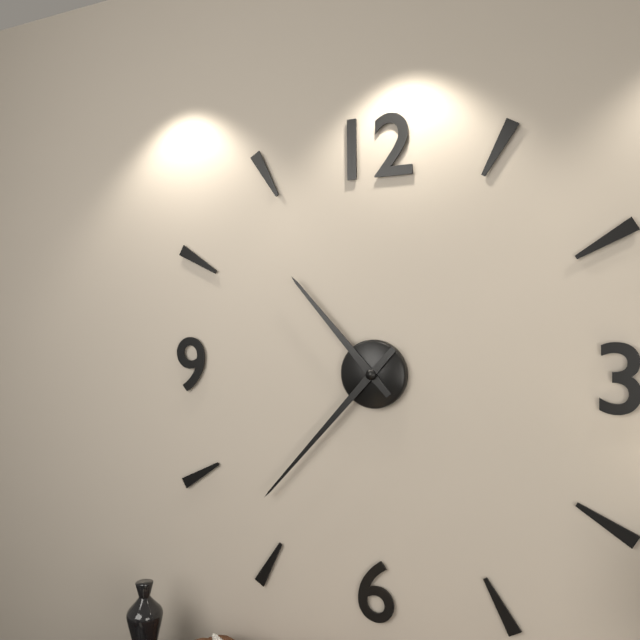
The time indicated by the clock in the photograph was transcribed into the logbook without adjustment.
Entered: 10:37
